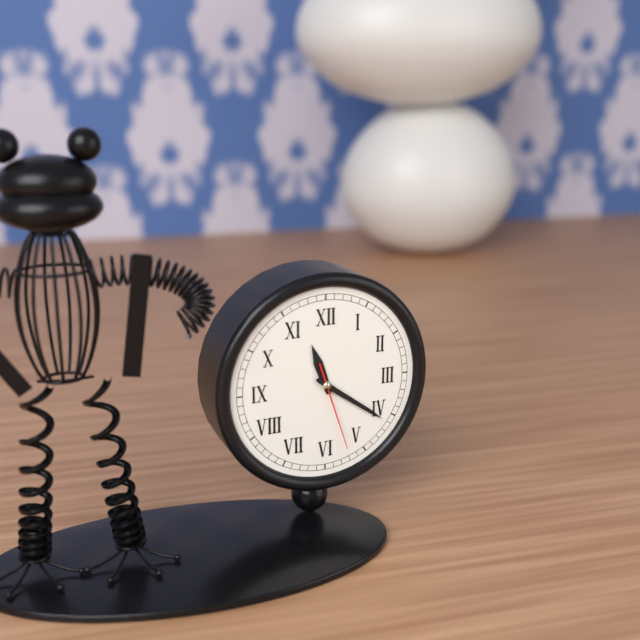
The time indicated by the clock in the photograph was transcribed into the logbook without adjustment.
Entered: 11:21:27
